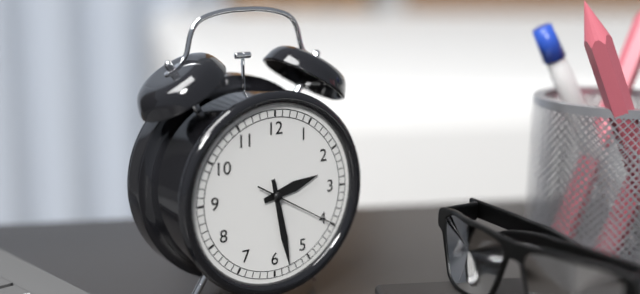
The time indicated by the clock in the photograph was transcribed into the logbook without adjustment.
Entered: 2:28:20
